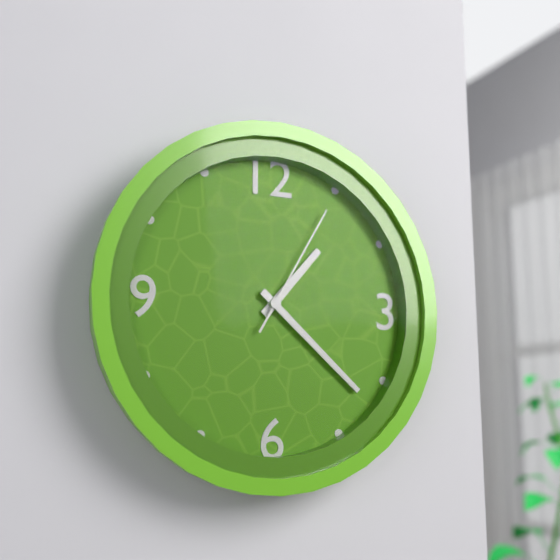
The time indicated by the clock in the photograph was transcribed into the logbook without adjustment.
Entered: 1:22:05
